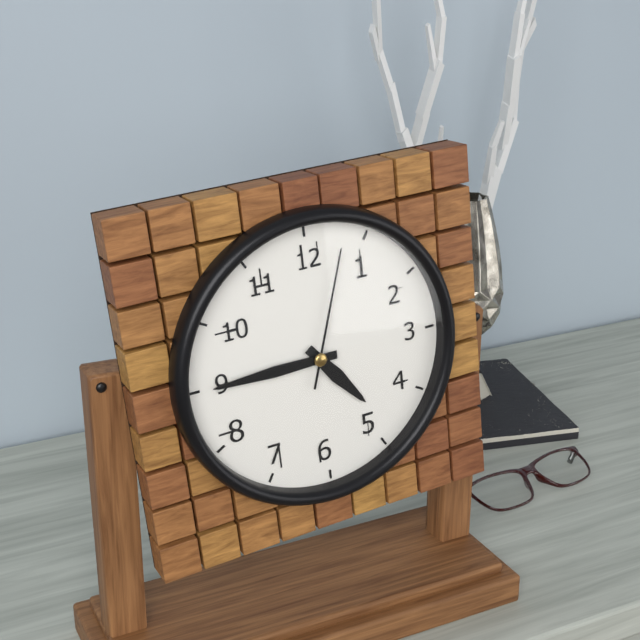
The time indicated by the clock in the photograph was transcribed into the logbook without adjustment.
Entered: 4:45:03
